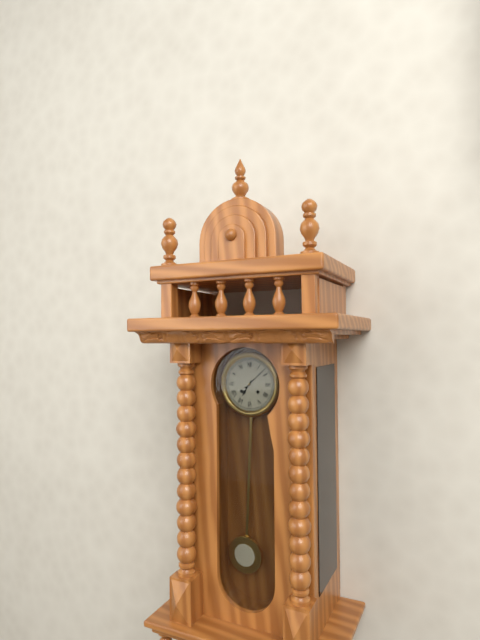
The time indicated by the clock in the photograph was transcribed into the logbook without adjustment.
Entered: 7:08
